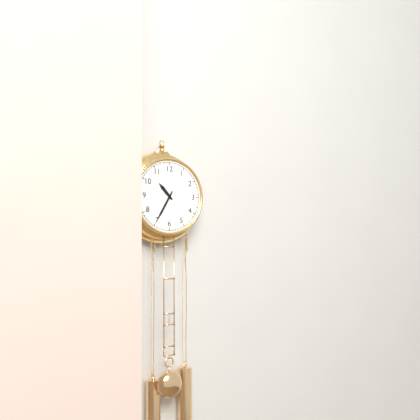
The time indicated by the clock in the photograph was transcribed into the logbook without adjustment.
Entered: 10:35
